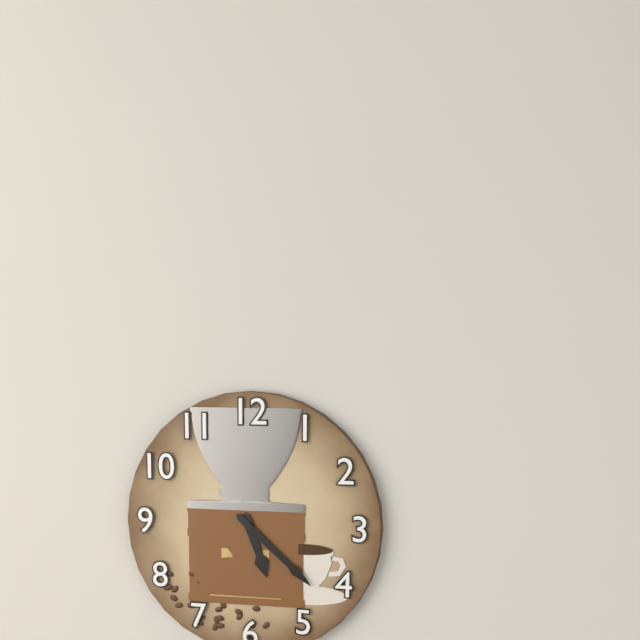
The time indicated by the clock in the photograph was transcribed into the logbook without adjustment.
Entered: 5:22
